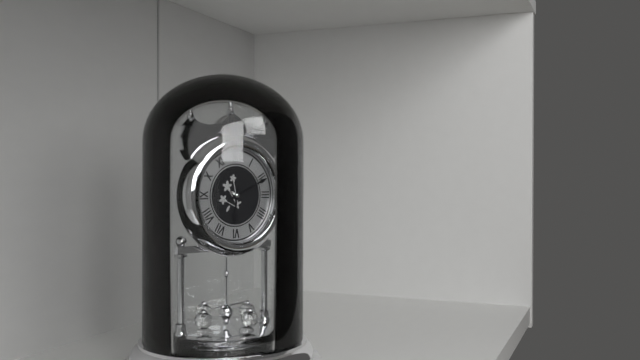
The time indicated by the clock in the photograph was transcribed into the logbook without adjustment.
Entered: 6:11
